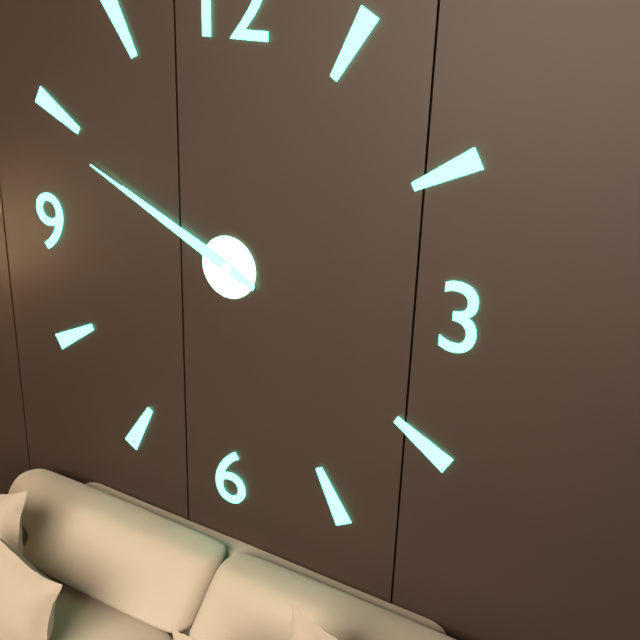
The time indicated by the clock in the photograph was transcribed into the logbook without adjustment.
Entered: 9:49
